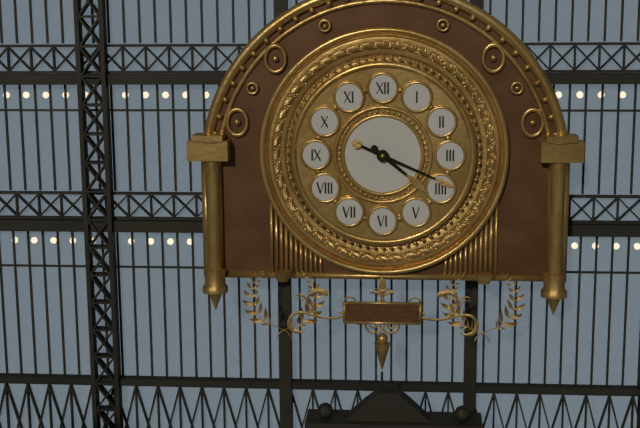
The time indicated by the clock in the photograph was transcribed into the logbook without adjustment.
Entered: 4:19
